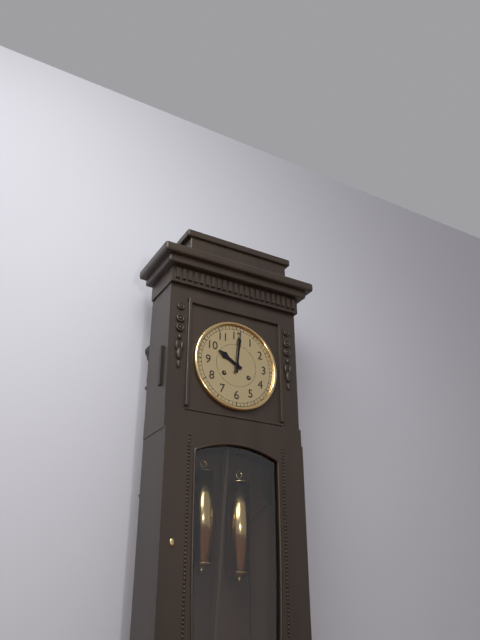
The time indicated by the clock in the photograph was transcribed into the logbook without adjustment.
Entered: 10:01
